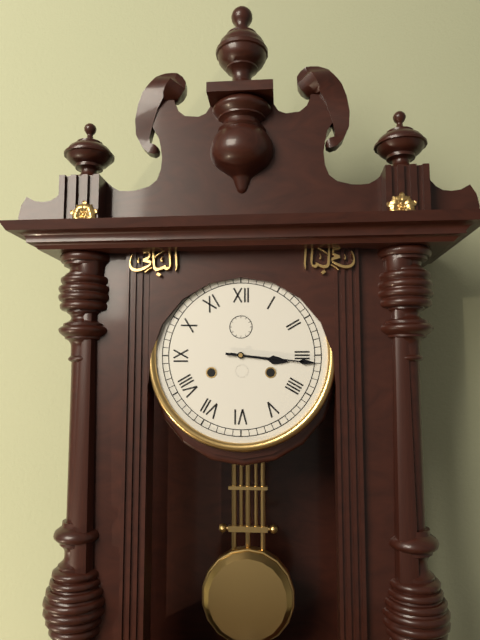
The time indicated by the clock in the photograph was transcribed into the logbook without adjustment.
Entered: 3:16
